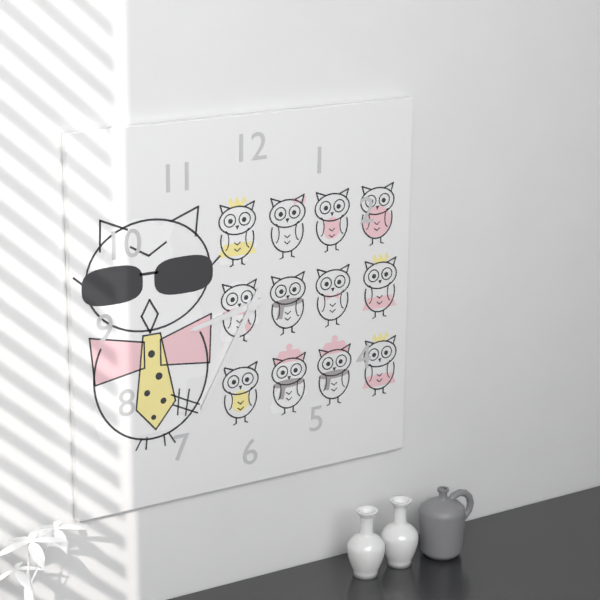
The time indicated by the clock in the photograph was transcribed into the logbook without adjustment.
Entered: 8:35
